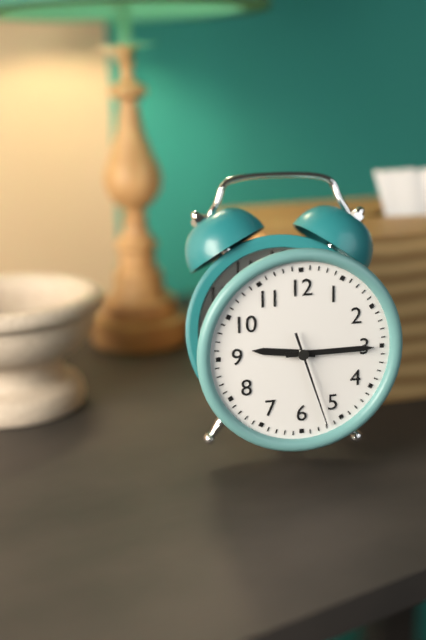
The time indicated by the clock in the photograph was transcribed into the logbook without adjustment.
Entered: 9:15:27
